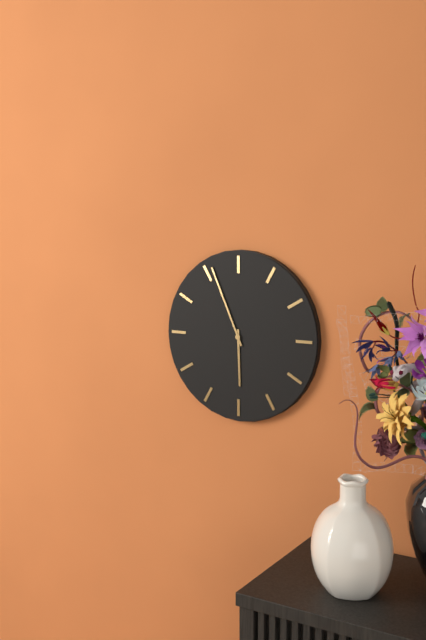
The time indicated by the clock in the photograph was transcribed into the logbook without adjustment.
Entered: 5:56
